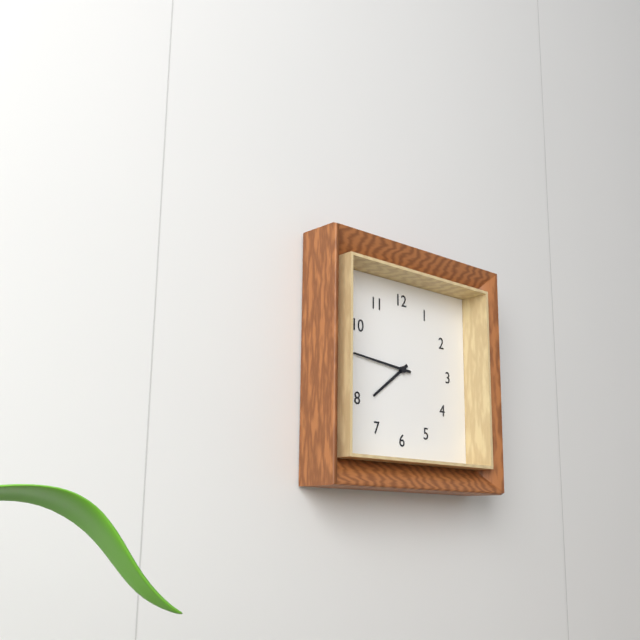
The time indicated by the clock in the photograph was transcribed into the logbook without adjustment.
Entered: 7:46
